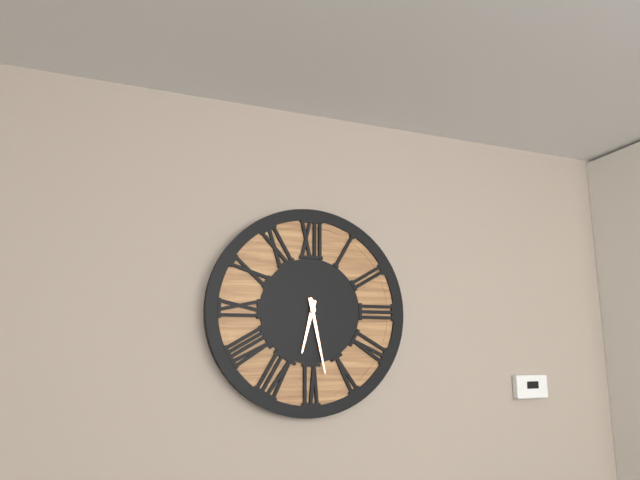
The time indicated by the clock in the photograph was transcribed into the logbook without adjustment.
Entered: 6:28
